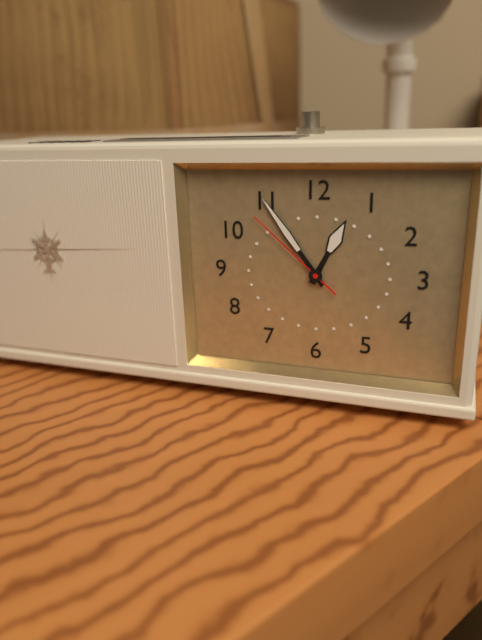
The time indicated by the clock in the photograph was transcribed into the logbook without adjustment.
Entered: 12:54:52
